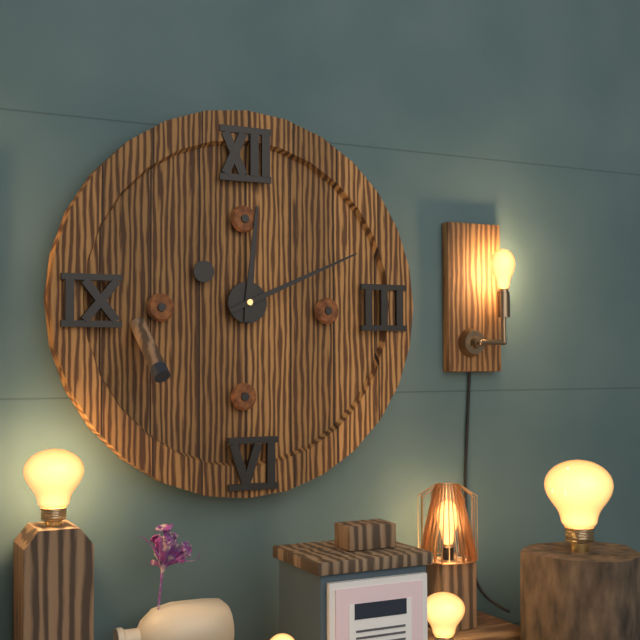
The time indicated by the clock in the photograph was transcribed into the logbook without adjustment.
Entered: 12:11
